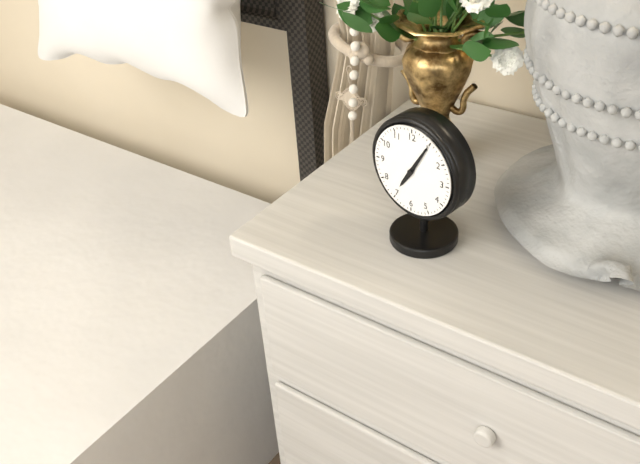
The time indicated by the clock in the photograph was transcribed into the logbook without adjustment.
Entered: 7:05
